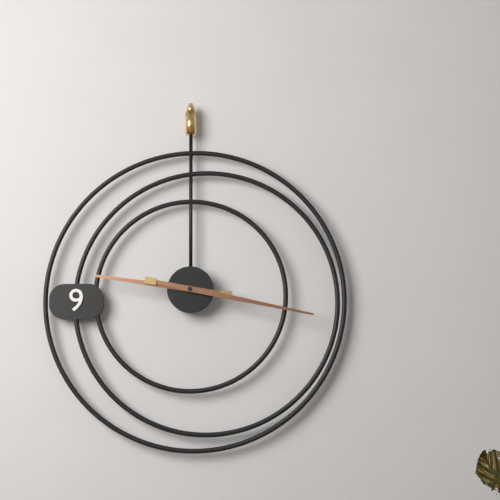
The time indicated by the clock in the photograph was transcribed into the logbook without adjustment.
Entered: 9:17
